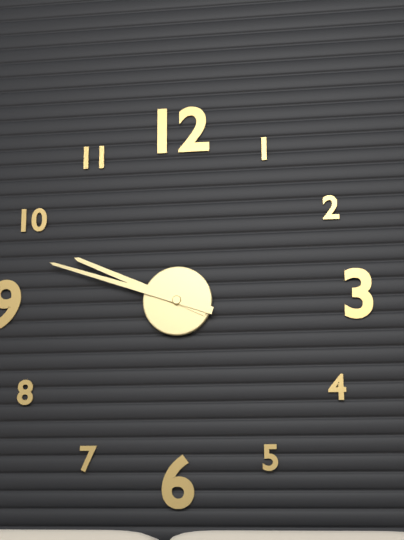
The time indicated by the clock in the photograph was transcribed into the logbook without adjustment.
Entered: 9:48
